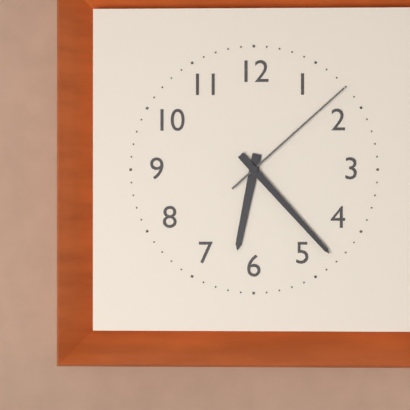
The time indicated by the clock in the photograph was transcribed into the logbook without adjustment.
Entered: 6:23:08
